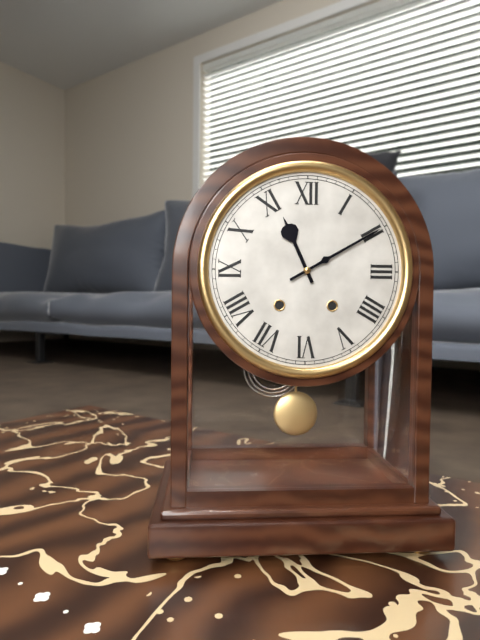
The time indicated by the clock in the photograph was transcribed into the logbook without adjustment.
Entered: 11:10
